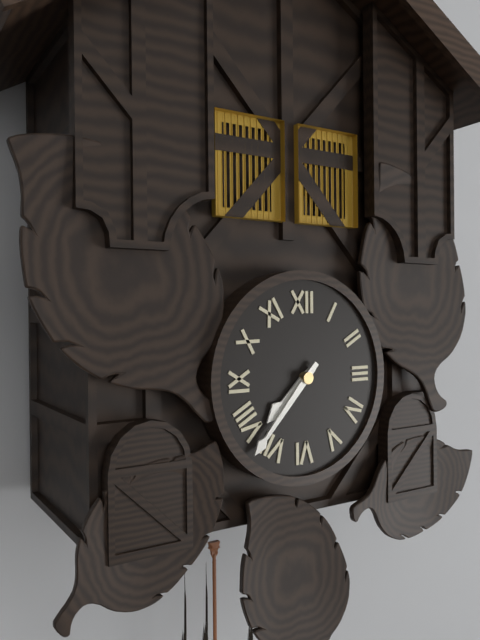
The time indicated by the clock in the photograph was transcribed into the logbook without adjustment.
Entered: 7:37
